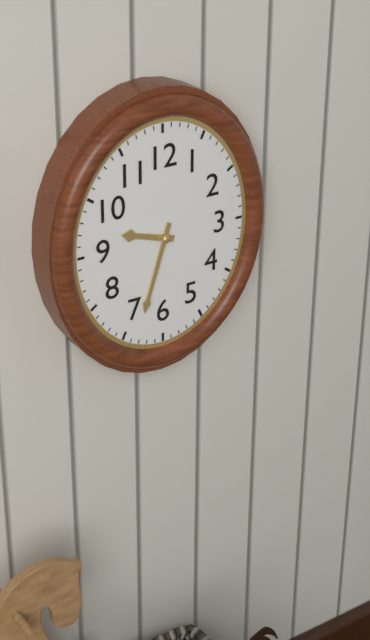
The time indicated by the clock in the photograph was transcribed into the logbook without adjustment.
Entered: 9:33
